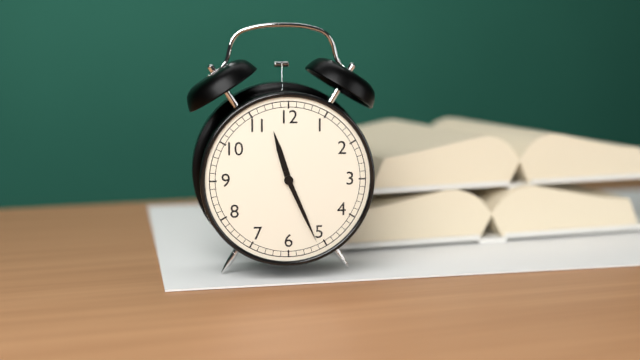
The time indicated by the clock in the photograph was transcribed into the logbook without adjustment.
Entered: 11:26
